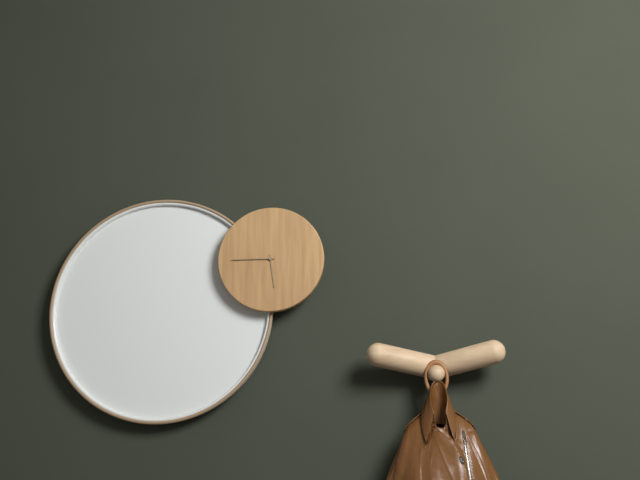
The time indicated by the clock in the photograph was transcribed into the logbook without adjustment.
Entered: 5:45
